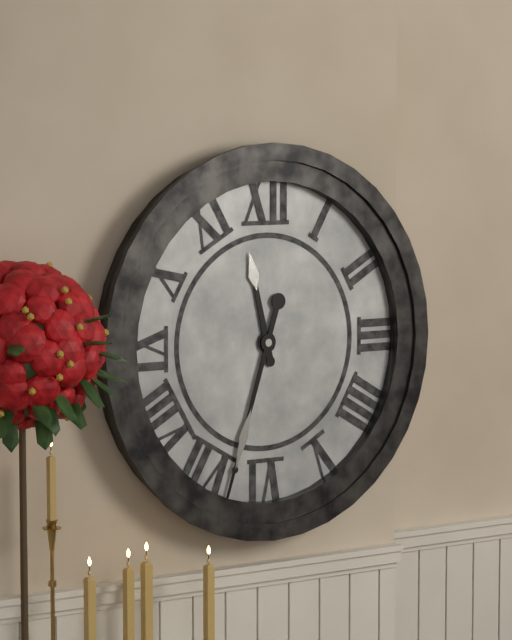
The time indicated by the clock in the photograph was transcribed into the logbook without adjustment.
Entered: 11:33
